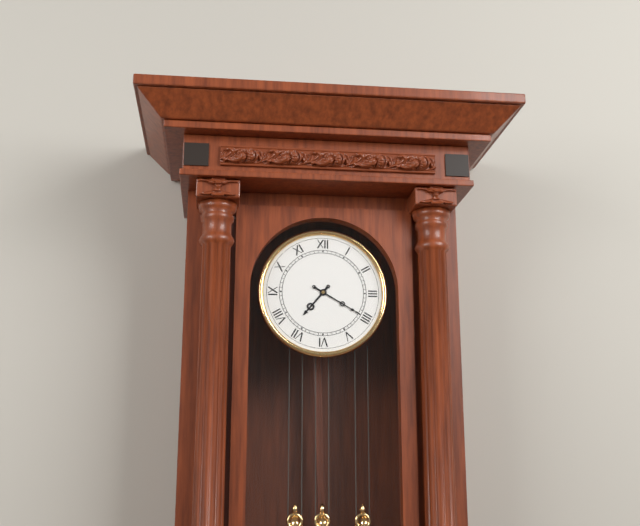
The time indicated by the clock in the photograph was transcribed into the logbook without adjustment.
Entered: 7:20
